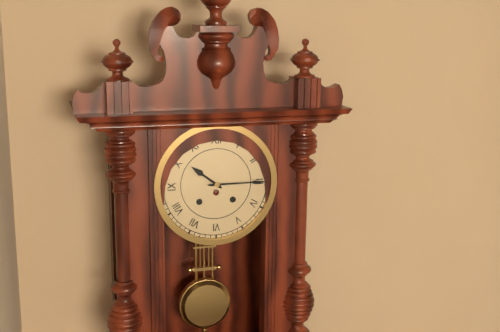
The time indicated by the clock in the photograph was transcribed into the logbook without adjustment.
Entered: 10:15
